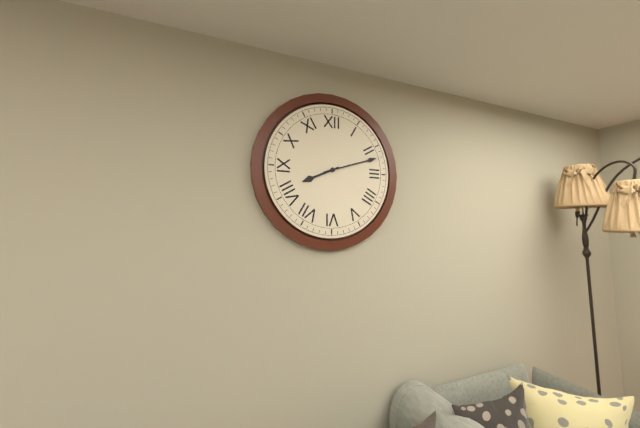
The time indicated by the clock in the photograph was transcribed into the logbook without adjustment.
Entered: 8:12
